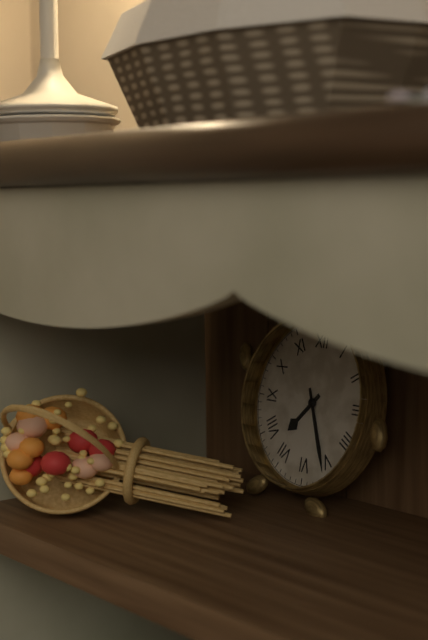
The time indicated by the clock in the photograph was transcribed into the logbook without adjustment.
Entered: 7:26
